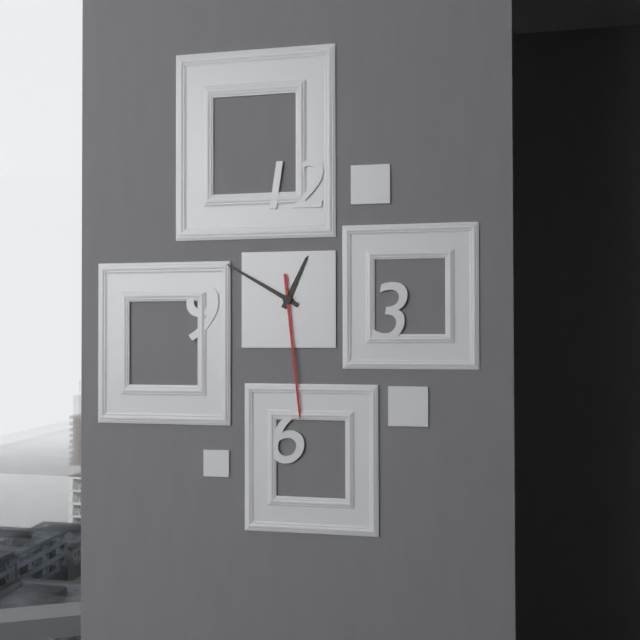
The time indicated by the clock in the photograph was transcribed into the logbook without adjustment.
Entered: 12:50:29
